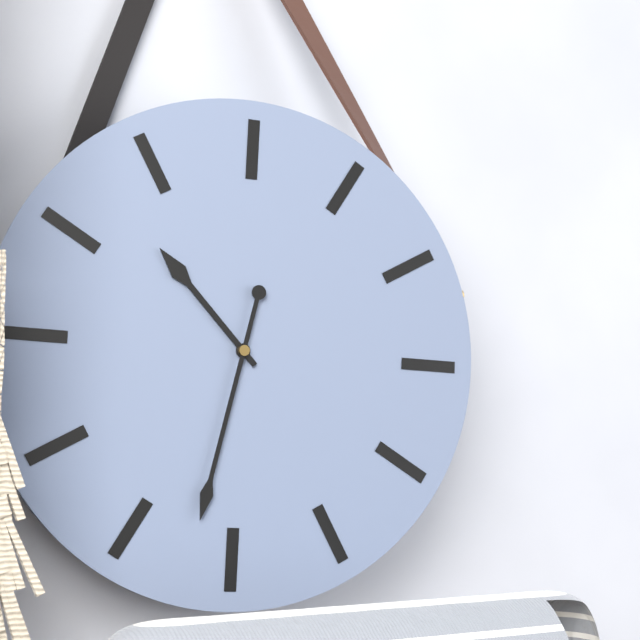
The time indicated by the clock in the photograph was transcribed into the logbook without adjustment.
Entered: 10:32
